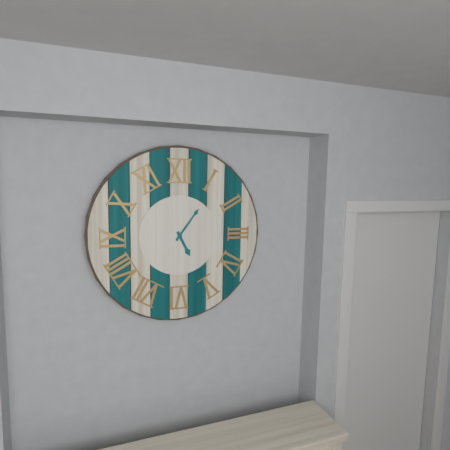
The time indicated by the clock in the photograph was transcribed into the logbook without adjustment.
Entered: 5:06
